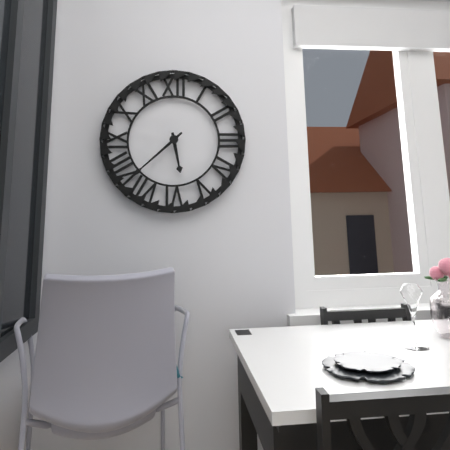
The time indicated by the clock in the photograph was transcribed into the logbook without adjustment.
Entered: 5:38
